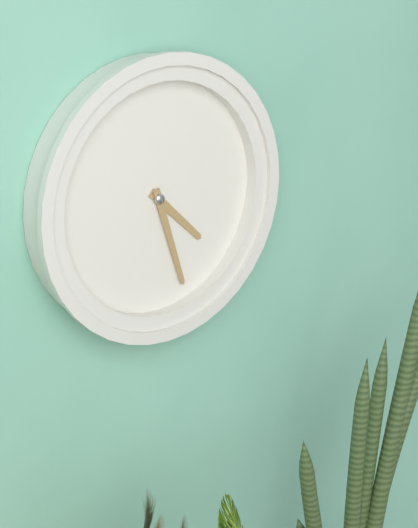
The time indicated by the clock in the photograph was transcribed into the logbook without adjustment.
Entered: 4:27
